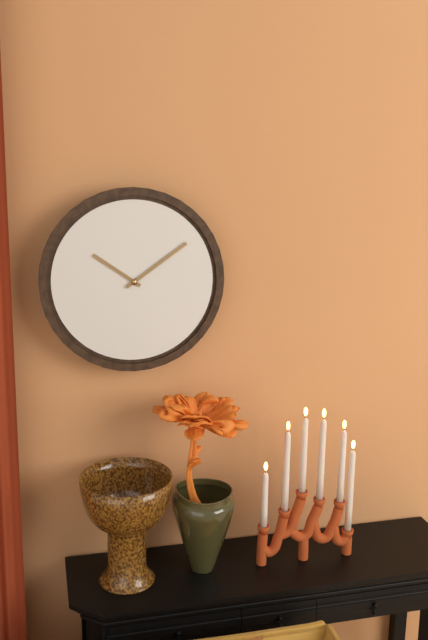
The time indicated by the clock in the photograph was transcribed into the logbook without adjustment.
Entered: 10:09
